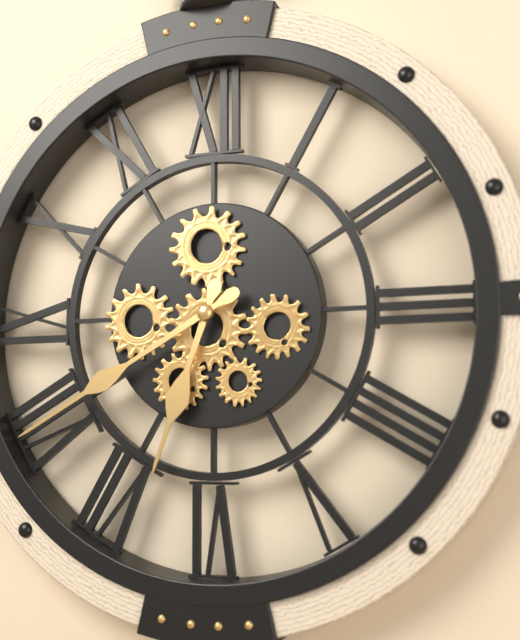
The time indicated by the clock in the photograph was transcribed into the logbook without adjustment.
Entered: 6:40
